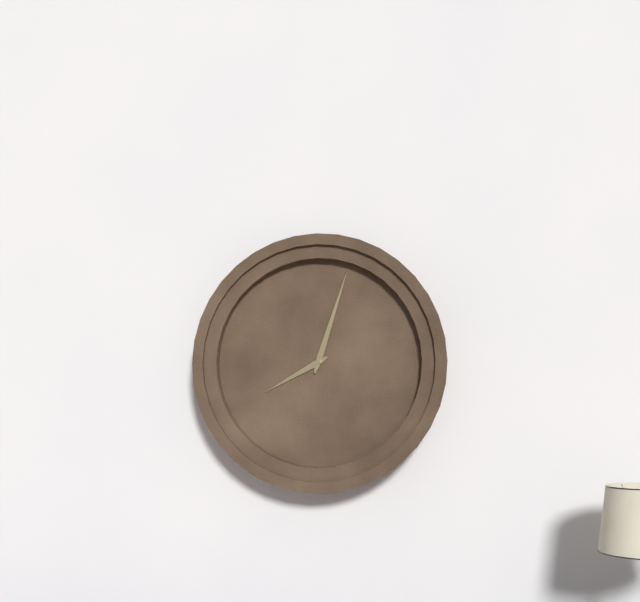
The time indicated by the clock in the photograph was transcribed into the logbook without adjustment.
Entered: 8:03
